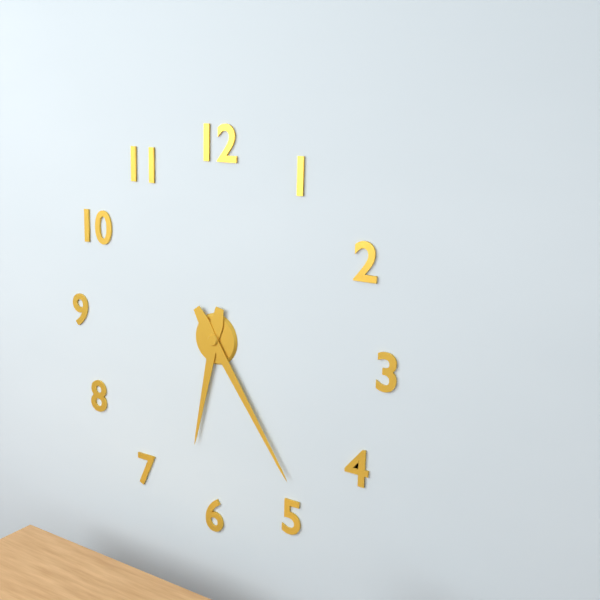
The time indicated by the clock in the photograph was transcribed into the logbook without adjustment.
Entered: 6:24
